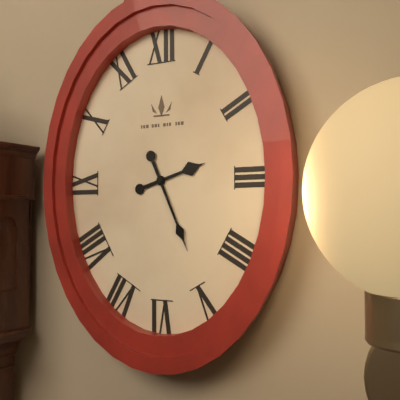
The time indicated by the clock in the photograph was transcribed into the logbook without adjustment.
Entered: 2:26
